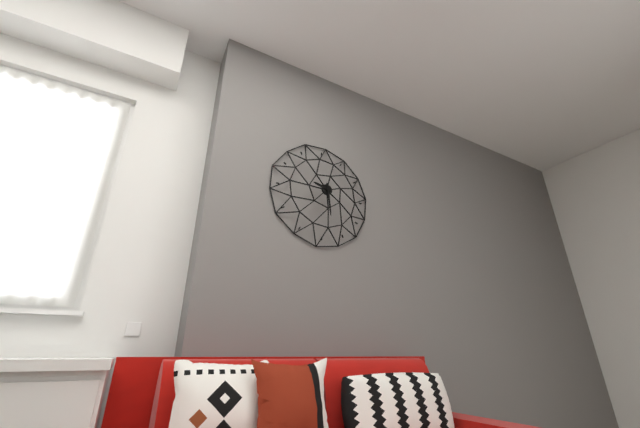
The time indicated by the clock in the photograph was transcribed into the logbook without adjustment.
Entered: 9:29
